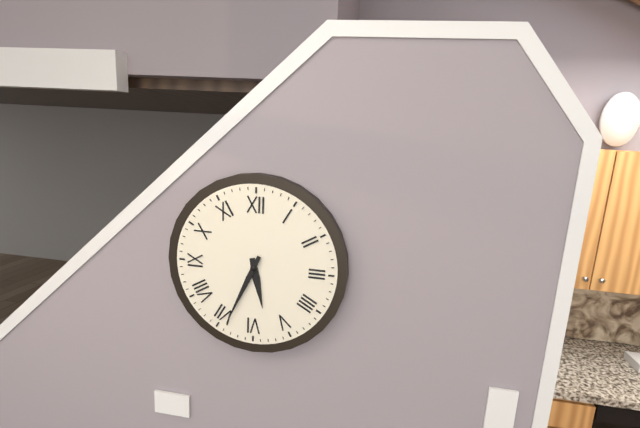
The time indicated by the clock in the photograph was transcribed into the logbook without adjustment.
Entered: 5:34
